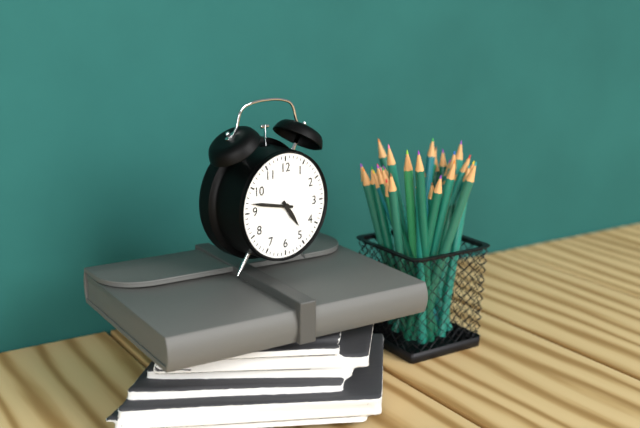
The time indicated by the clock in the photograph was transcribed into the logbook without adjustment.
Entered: 4:47
